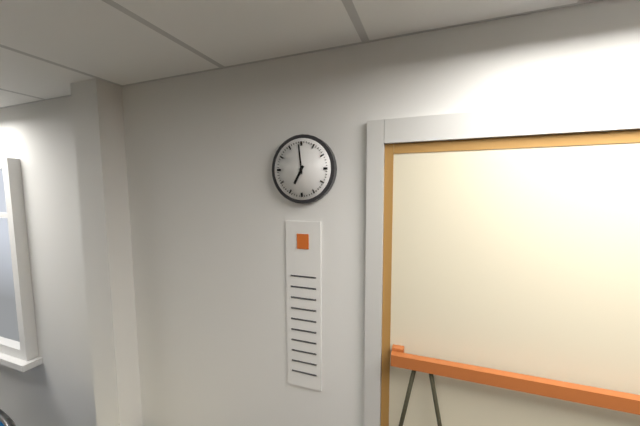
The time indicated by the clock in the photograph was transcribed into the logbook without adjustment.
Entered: 6:59
